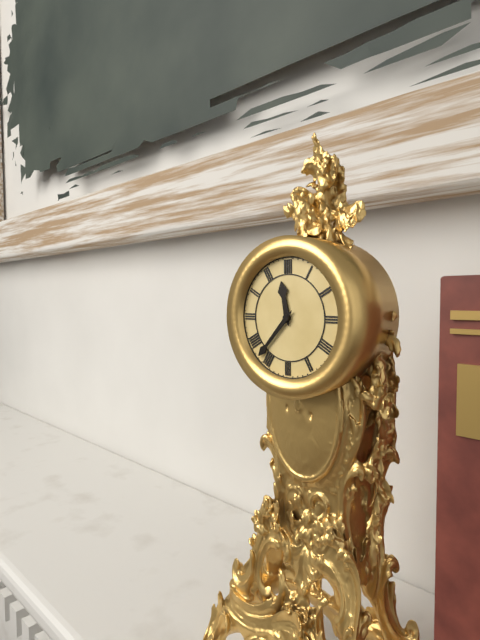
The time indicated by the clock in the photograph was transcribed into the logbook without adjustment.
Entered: 11:37
